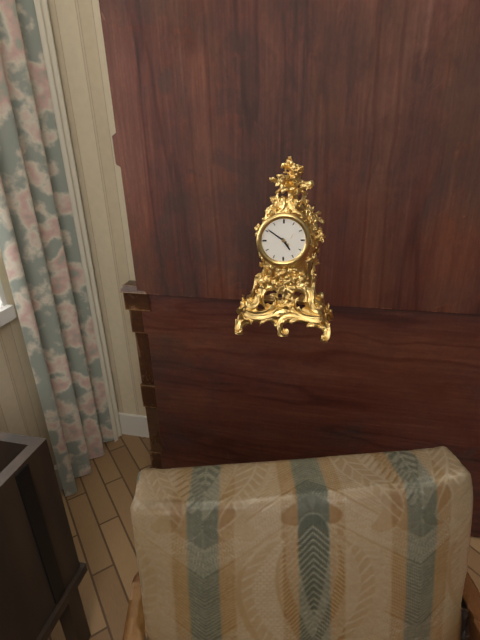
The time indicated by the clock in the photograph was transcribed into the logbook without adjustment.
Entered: 4:51
